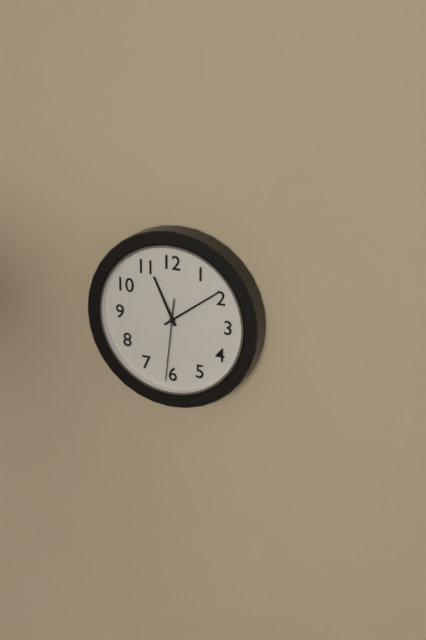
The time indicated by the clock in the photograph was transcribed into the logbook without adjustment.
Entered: 11:09:31
